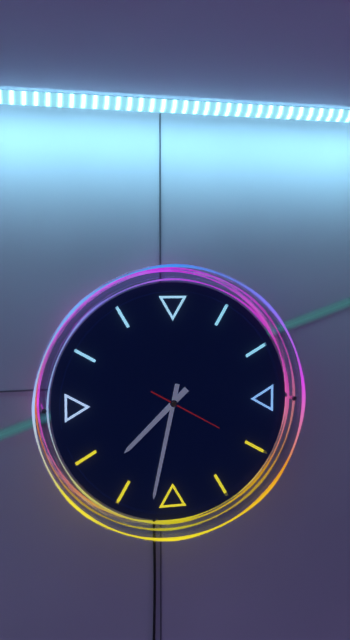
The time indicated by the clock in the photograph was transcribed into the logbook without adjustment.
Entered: 7:32:20
